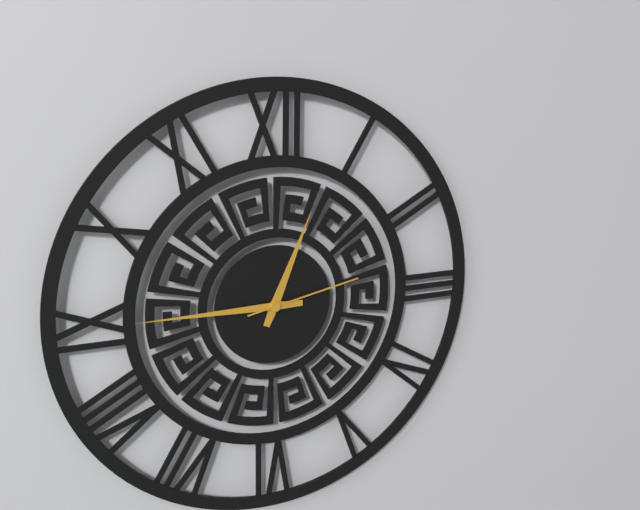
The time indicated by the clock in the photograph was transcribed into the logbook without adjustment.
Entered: 12:45:13
